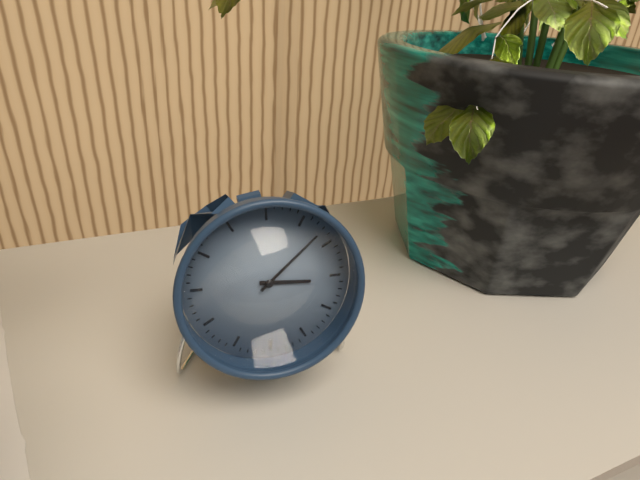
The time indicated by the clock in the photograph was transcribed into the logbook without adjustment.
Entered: 3:08
